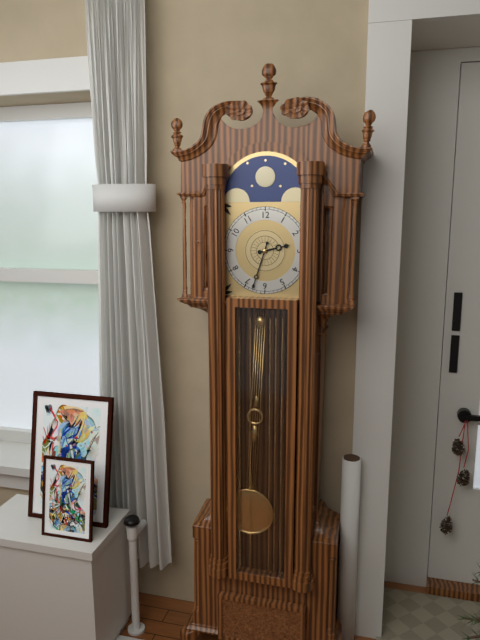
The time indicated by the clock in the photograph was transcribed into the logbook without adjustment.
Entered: 2:33
